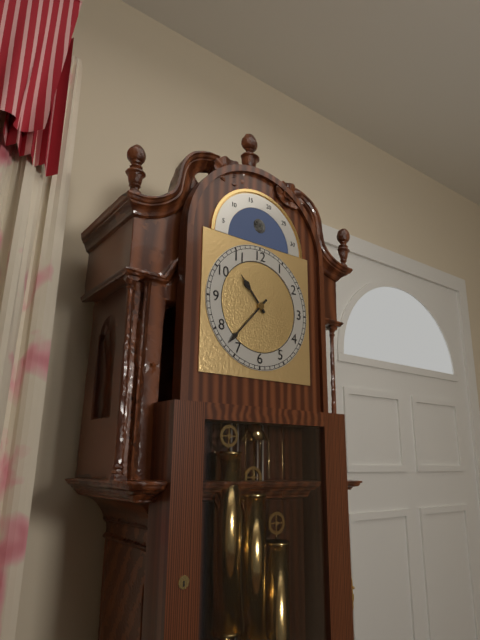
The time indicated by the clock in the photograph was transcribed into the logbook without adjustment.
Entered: 10:37
